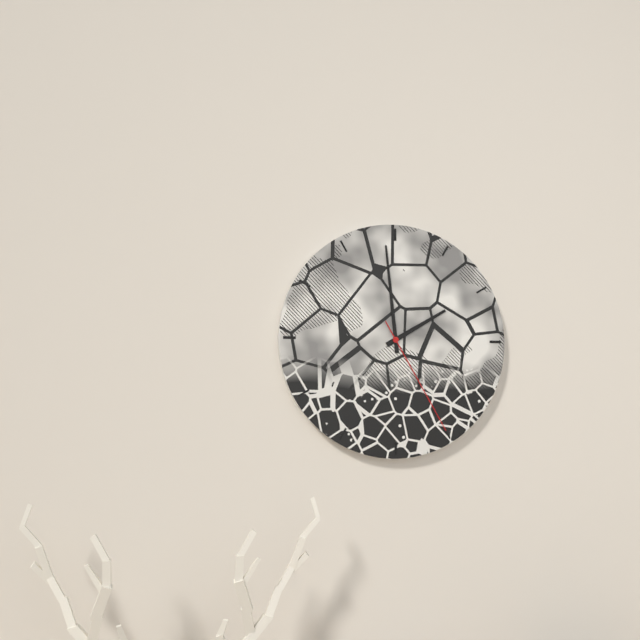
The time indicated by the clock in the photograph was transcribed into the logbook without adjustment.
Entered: 1:59:25
